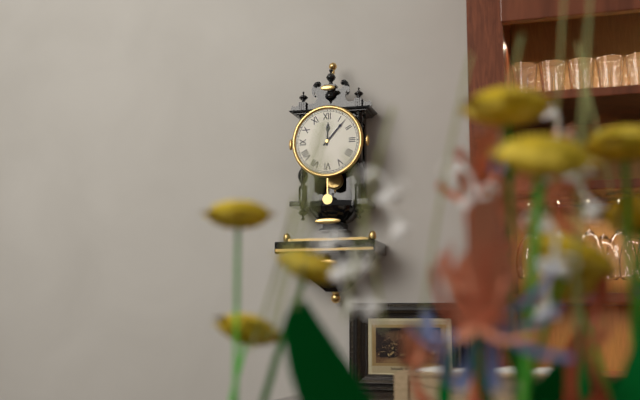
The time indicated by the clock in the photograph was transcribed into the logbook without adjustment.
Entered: 12:07
